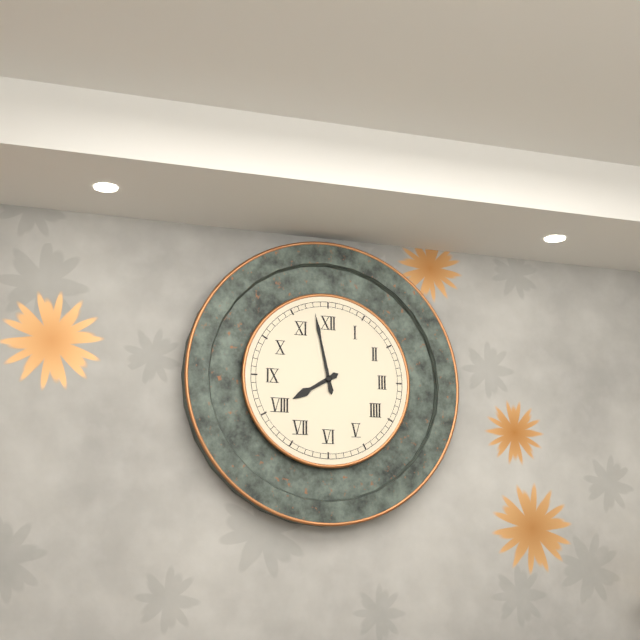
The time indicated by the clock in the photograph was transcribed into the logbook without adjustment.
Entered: 7:58
